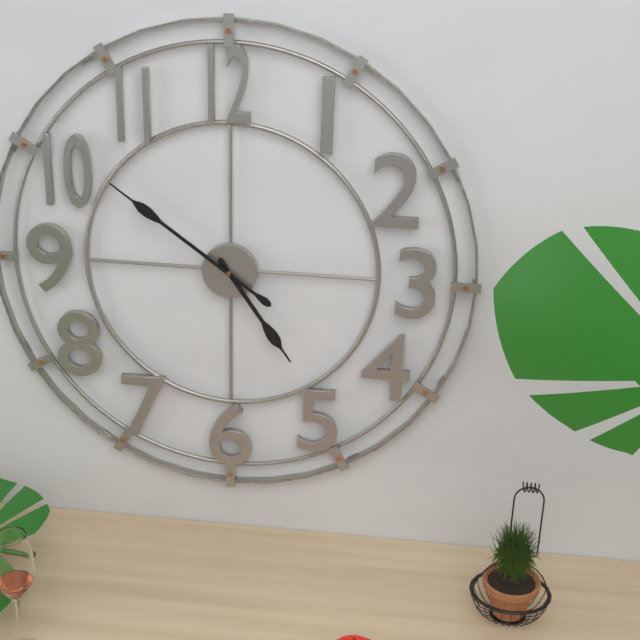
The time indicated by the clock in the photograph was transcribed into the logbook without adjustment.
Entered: 4:51
